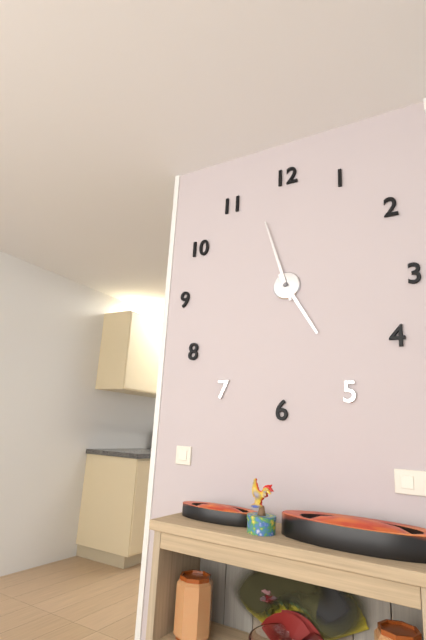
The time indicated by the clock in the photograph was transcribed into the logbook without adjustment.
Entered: 4:57
